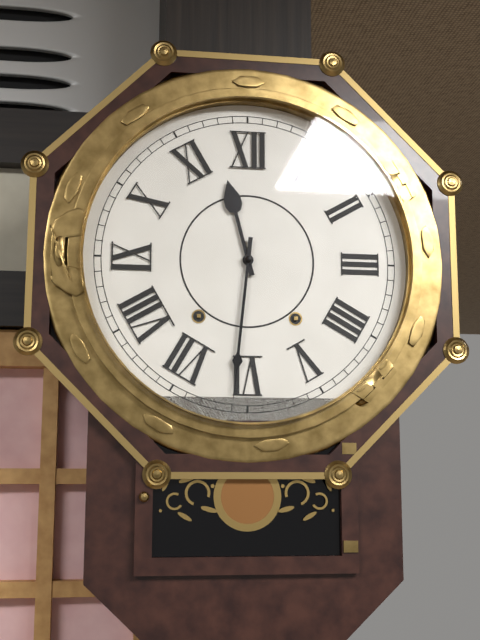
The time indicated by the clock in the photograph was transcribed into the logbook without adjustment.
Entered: 11:31
